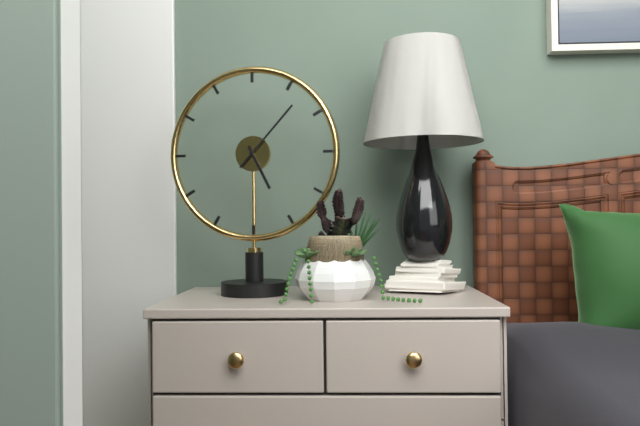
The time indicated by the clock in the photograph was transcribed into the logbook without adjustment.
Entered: 5:07
